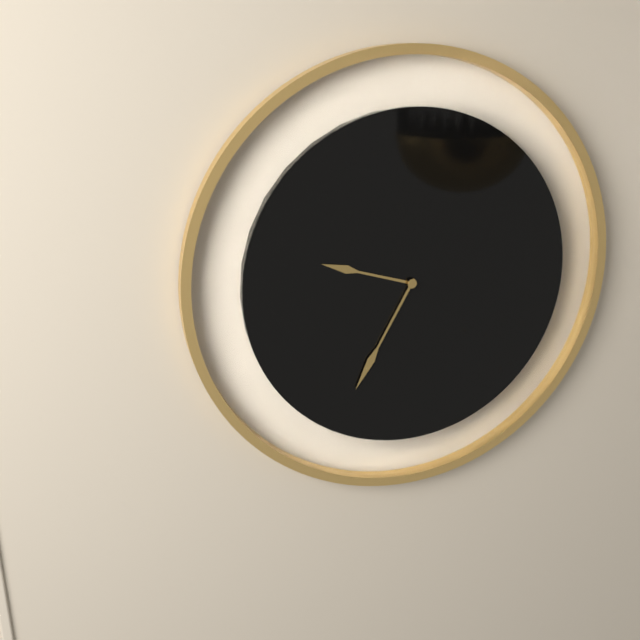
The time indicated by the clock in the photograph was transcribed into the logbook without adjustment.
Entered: 9:35
